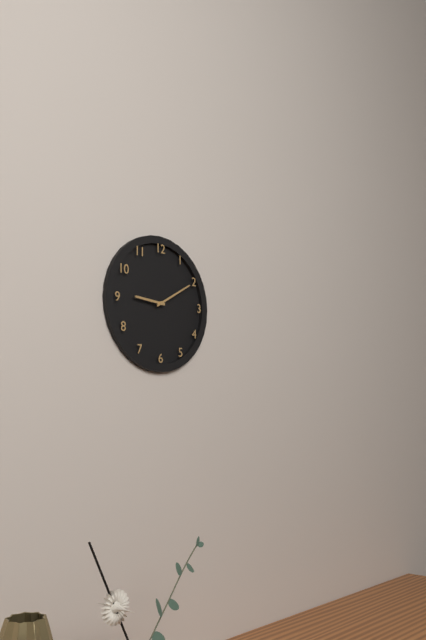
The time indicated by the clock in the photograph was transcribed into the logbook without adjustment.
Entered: 9:10
